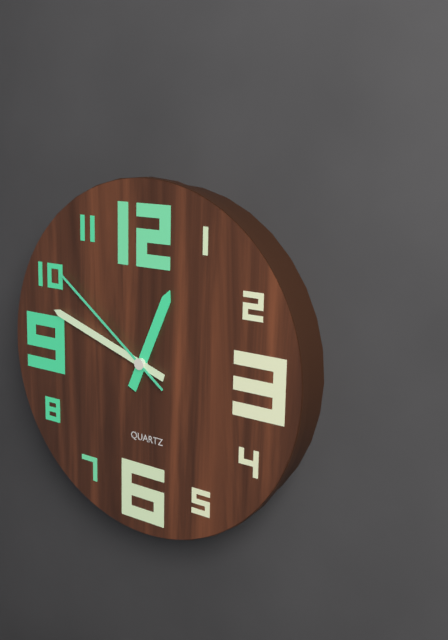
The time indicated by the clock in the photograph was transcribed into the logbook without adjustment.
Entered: 12:48:51
